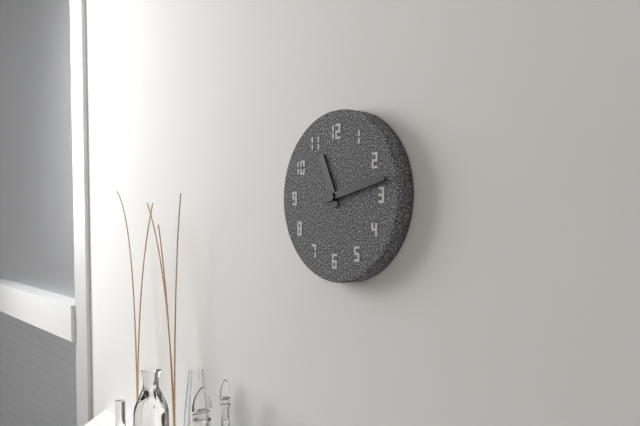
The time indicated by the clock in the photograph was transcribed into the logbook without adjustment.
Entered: 11:13
